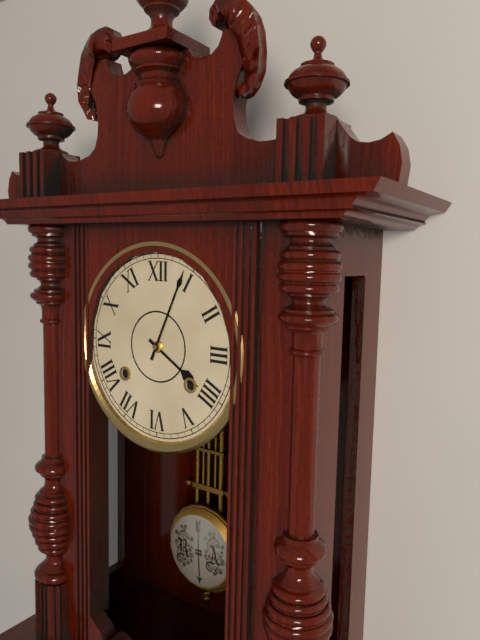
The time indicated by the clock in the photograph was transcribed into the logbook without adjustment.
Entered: 4:04
